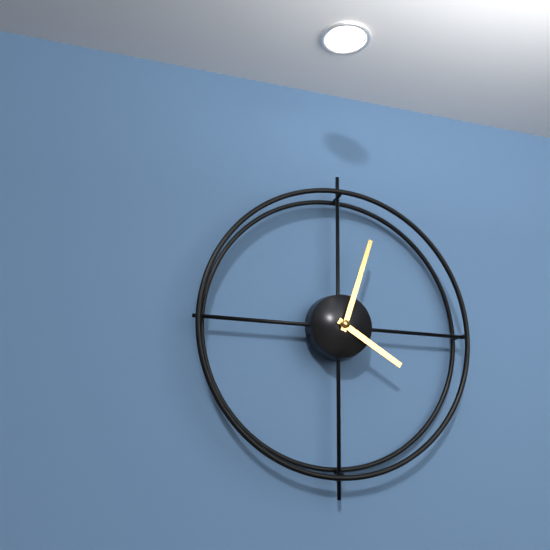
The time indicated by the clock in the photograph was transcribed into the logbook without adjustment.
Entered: 4:03
